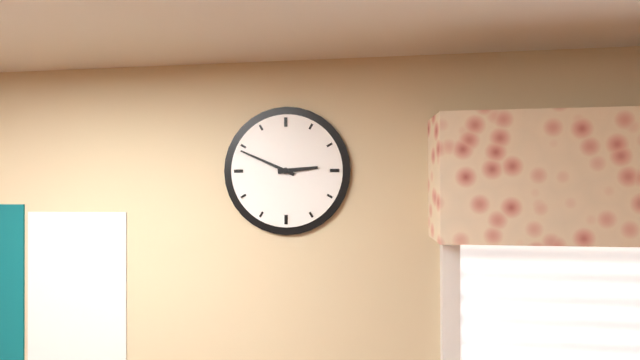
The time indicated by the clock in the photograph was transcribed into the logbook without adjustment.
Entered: 2:49
